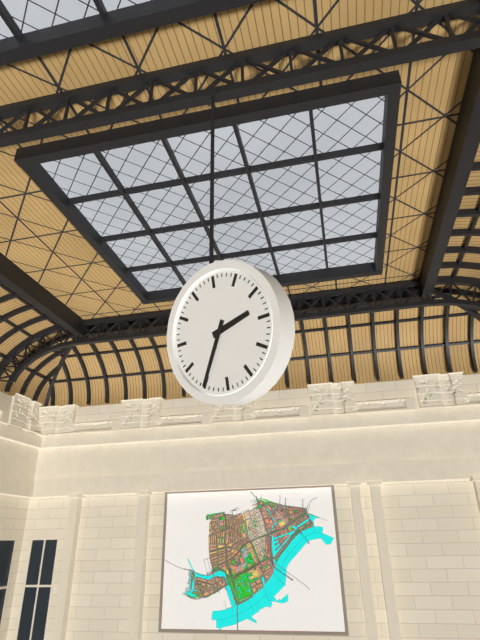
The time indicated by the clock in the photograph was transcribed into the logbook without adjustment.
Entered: 2:35
